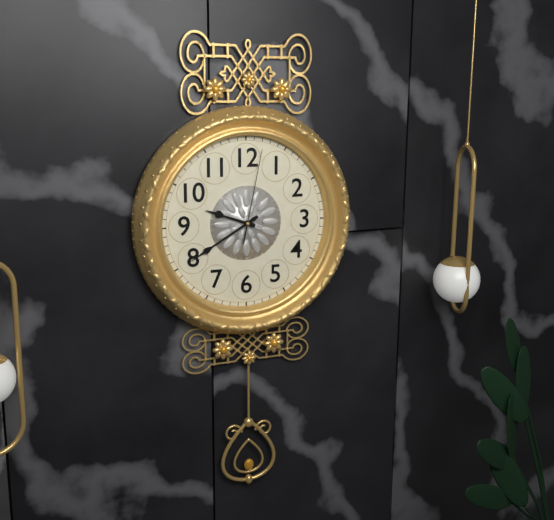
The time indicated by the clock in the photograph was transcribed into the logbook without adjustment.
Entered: 9:40:02
